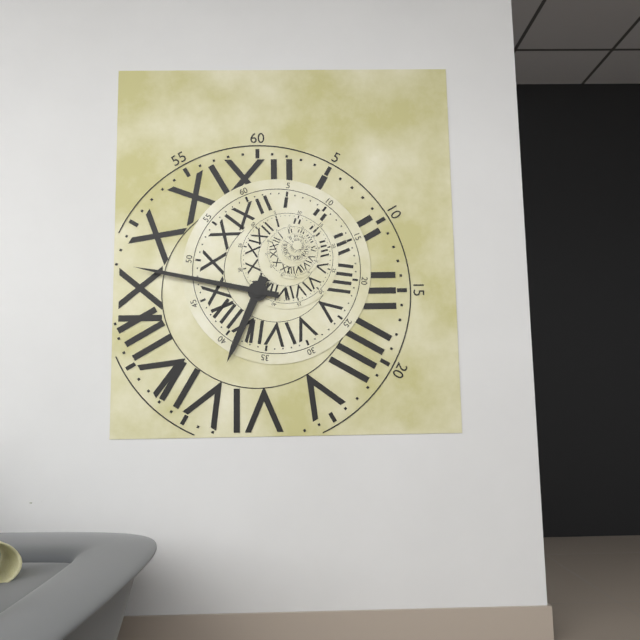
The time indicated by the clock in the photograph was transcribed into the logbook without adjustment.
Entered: 6:47
